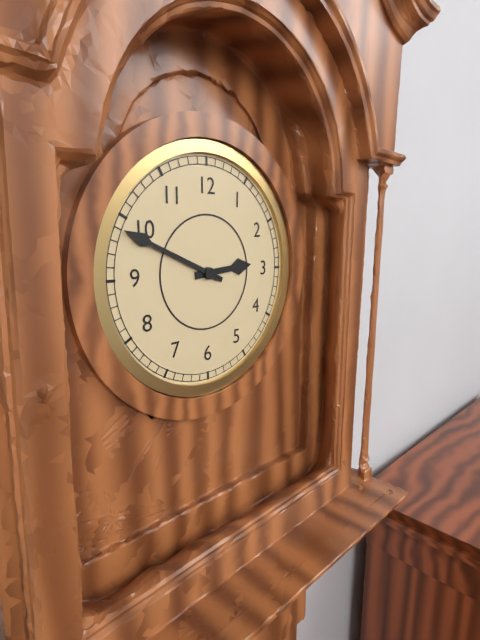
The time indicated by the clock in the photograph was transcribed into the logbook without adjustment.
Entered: 2:49
